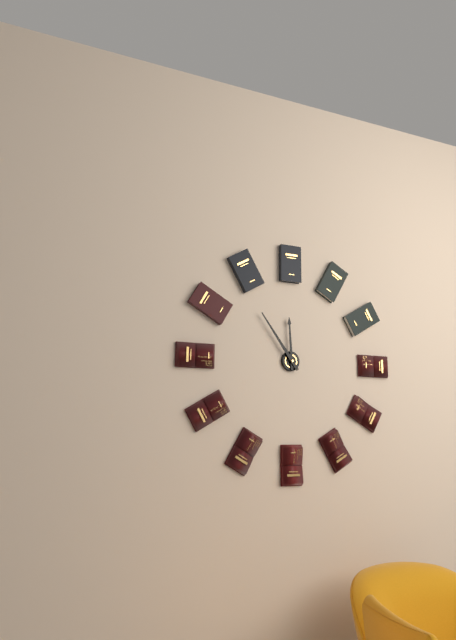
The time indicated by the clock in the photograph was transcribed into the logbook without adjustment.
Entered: 11:54
